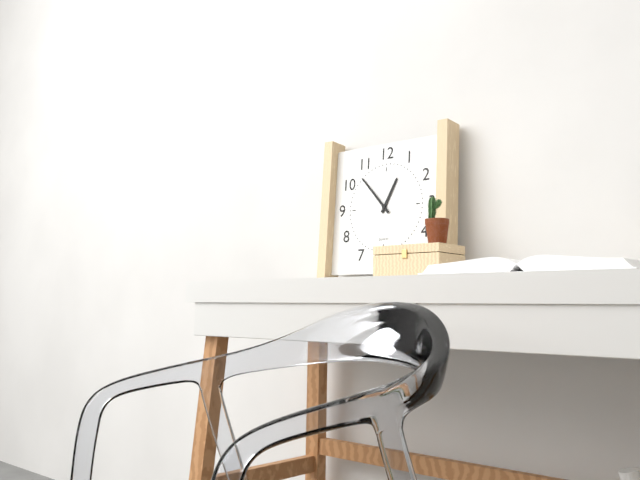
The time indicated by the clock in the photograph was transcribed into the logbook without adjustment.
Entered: 12:53
